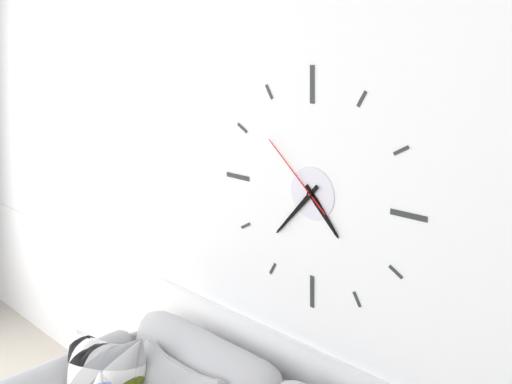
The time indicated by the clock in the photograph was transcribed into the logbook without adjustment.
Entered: 4:37:52
